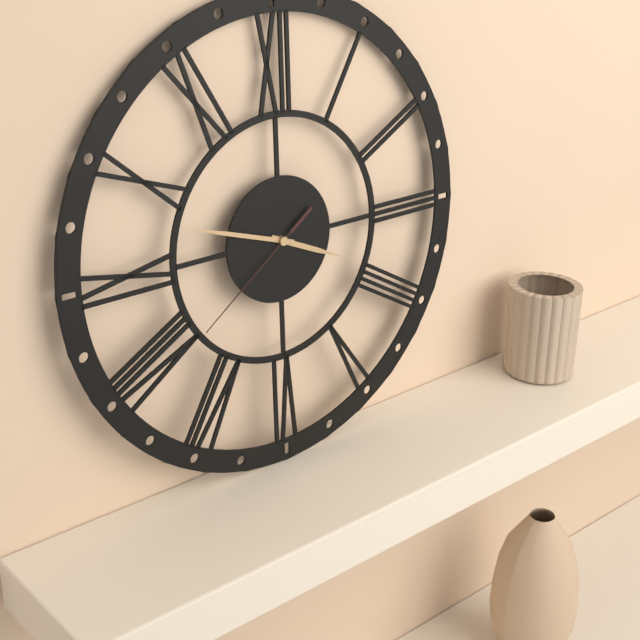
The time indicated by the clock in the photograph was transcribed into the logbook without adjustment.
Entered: 3:48:39
